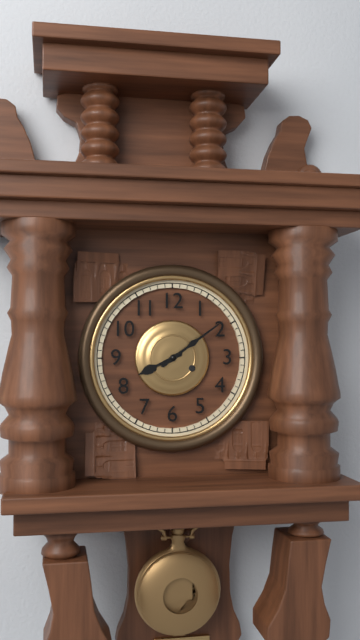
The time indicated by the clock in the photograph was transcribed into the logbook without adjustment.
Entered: 8:09
